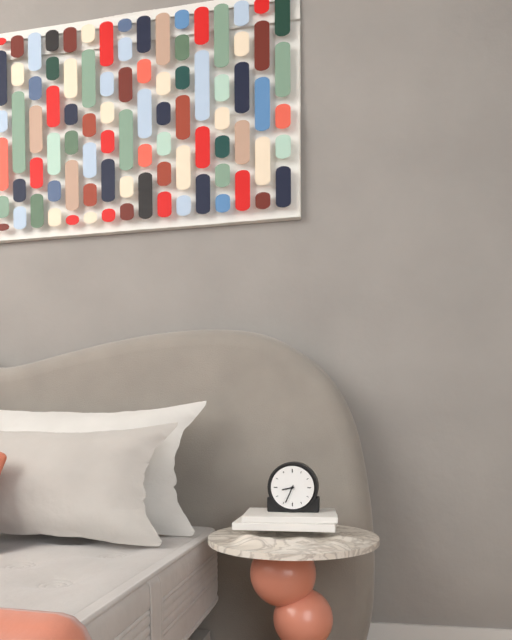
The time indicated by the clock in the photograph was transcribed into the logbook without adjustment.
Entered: 8:34
